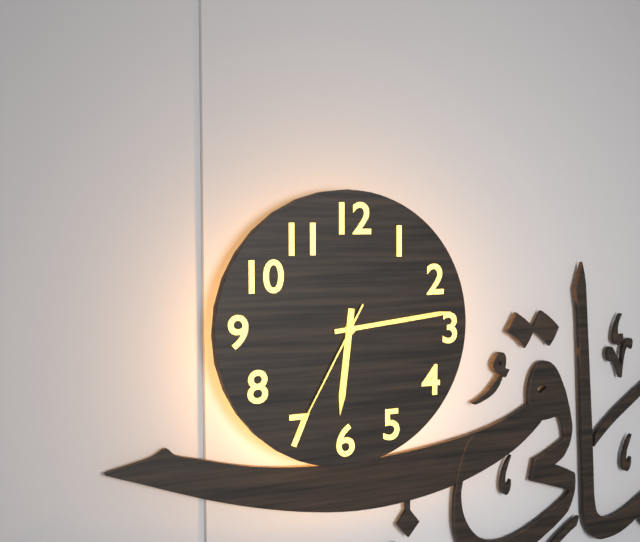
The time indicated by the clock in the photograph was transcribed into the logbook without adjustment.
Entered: 6:14:35
